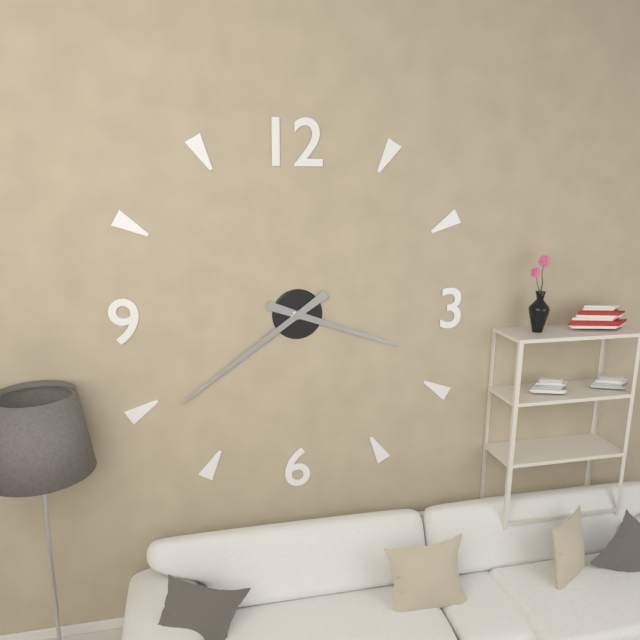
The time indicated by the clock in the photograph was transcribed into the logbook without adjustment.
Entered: 3:39
